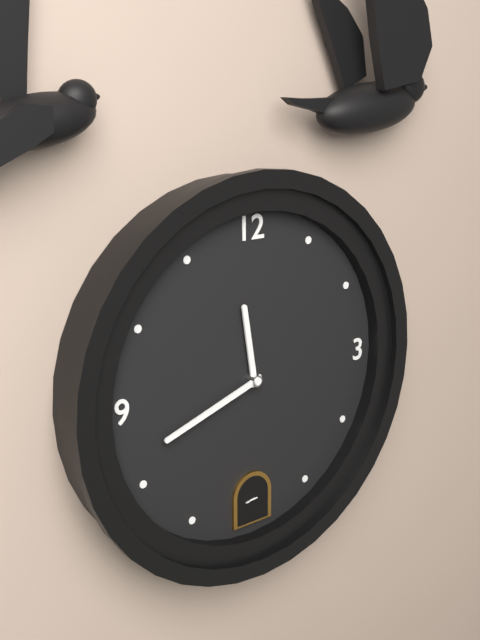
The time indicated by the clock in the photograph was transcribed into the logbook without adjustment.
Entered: 11:42
